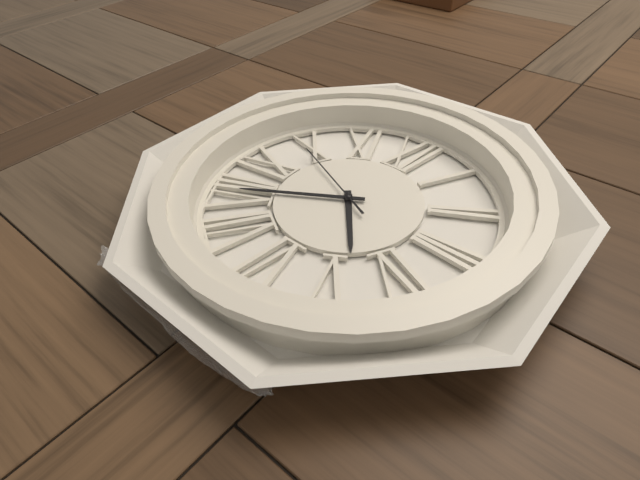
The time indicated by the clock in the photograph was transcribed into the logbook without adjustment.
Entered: 4:40:49
